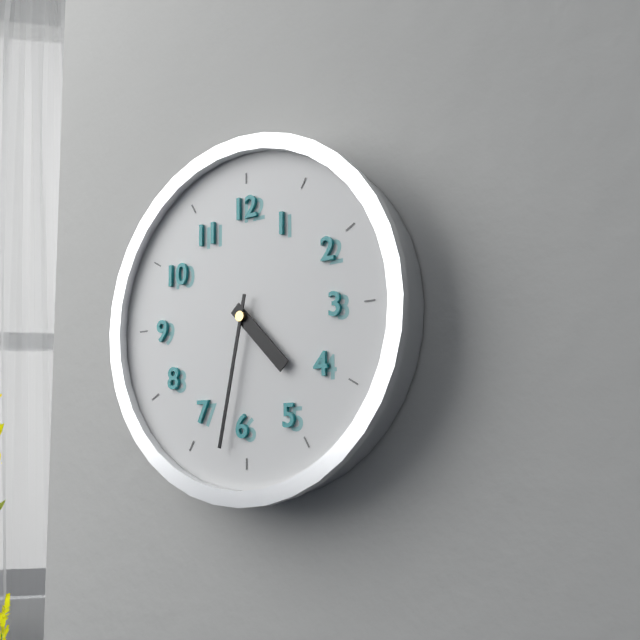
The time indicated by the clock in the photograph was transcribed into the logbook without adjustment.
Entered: 4:32
